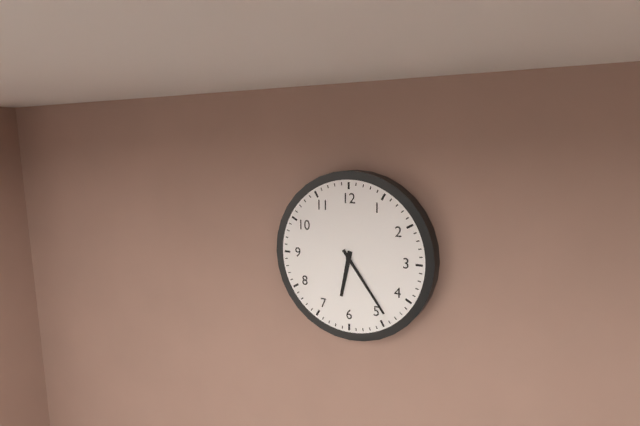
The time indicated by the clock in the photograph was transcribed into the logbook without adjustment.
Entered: 6:24
